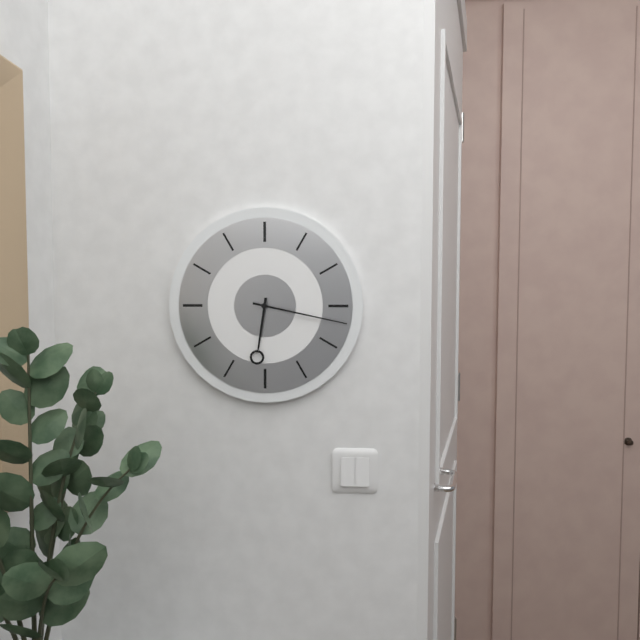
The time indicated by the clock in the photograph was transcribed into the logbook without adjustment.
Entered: 6:17
